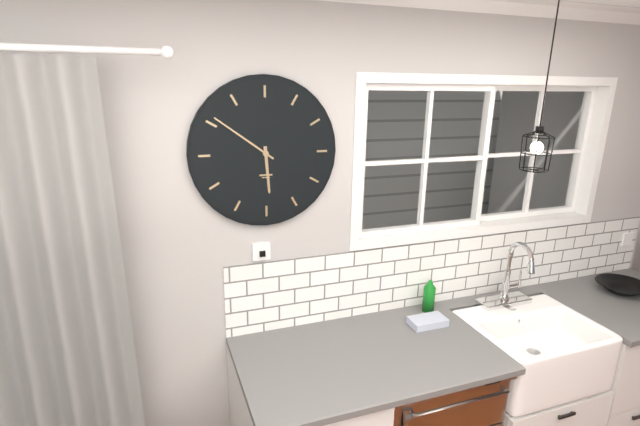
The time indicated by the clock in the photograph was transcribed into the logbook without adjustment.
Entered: 5:51
